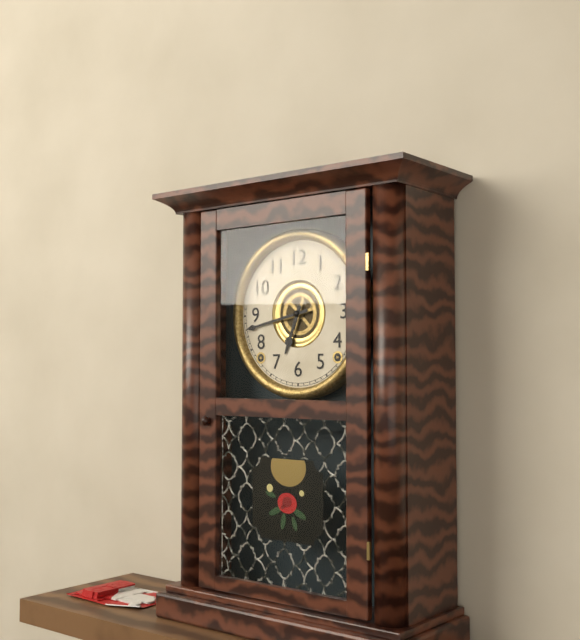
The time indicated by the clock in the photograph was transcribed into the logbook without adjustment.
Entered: 6:43
